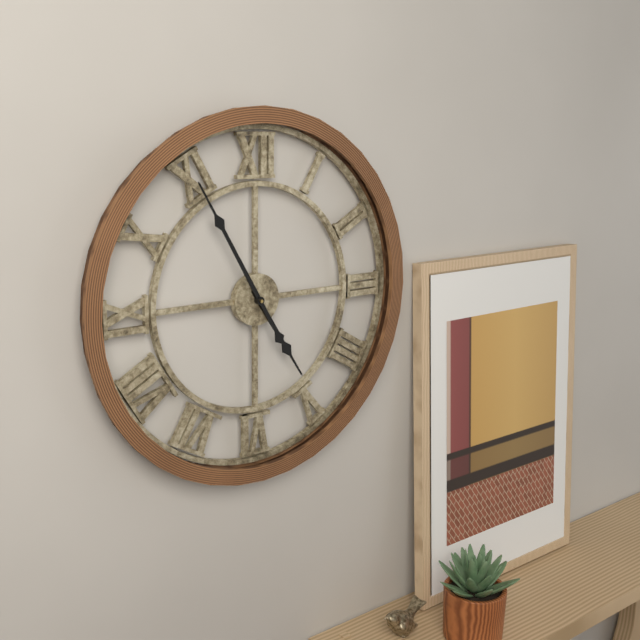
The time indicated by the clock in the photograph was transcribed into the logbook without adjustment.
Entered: 4:55
